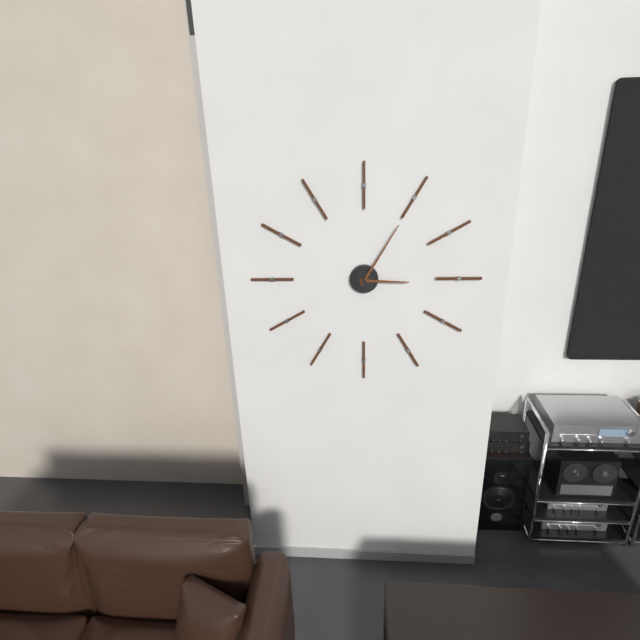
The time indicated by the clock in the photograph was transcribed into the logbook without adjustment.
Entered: 3:05
